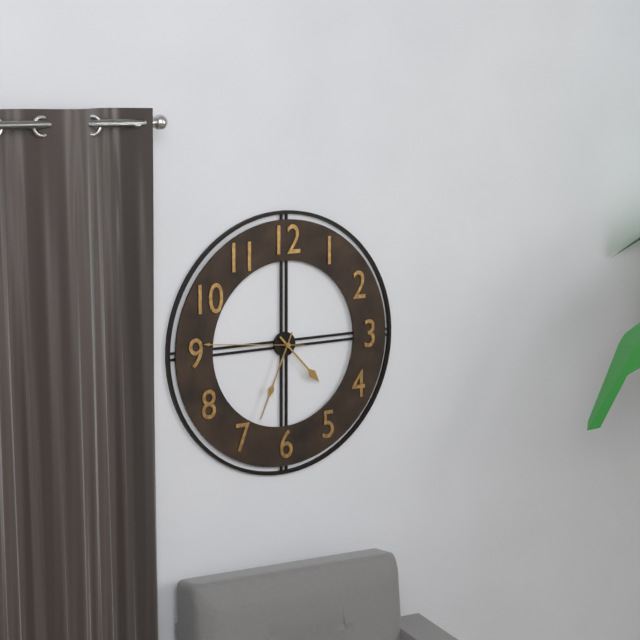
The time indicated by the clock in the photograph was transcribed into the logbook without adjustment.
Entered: 4:34:46
